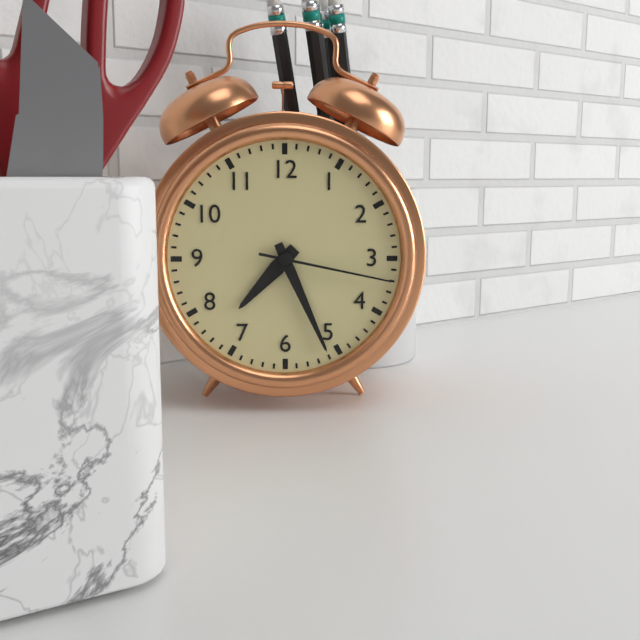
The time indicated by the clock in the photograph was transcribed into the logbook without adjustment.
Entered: 7:26:17
